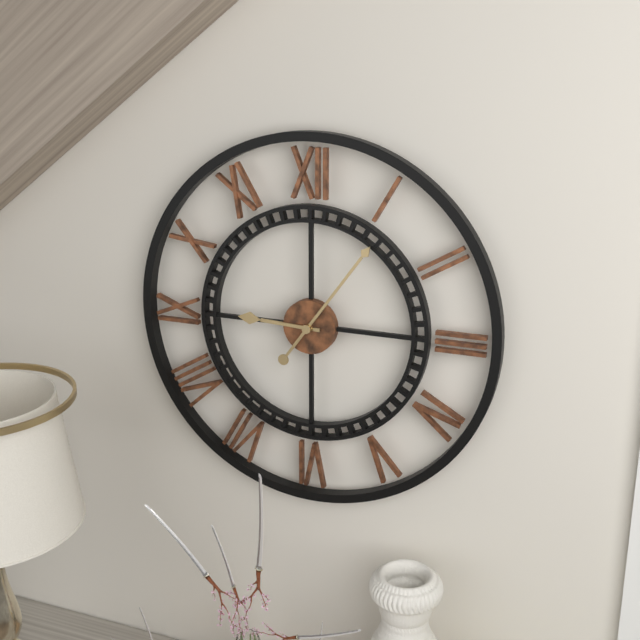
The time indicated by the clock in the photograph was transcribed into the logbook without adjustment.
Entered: 9:06
